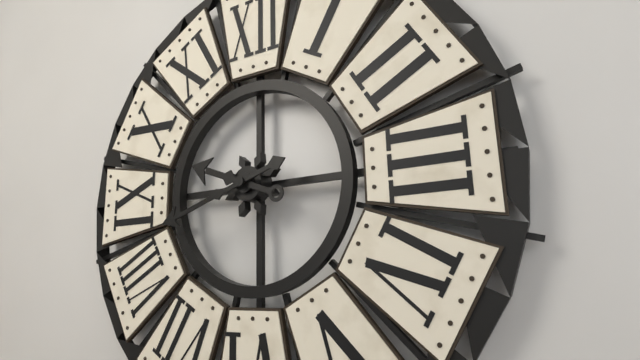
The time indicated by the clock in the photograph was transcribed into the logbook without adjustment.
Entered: 9:42
